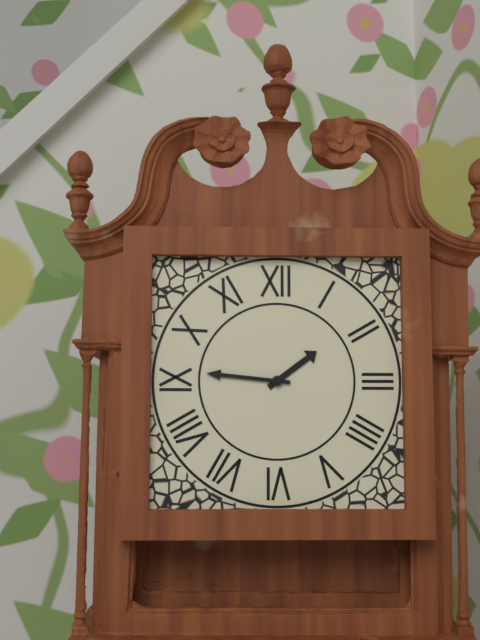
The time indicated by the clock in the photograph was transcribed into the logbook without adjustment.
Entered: 1:46
